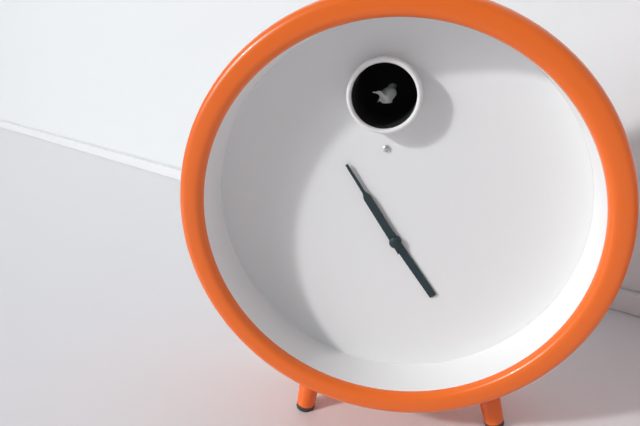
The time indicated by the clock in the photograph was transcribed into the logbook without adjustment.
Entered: 4:55
